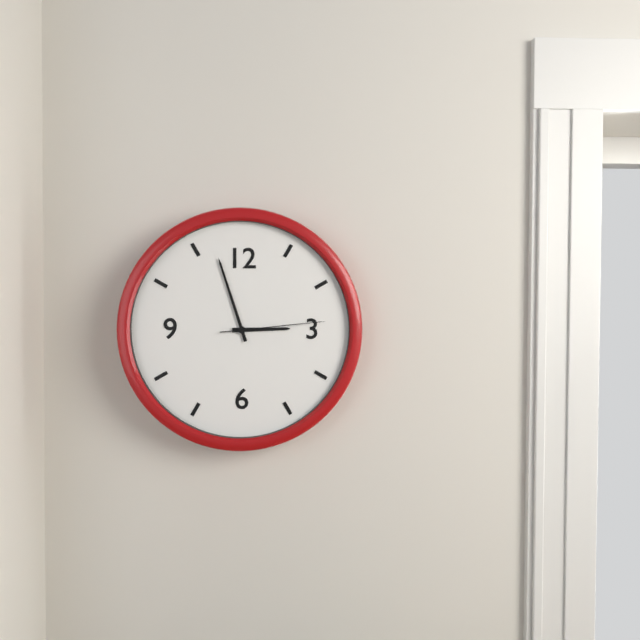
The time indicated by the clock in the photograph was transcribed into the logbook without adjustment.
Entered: 2:57:14
